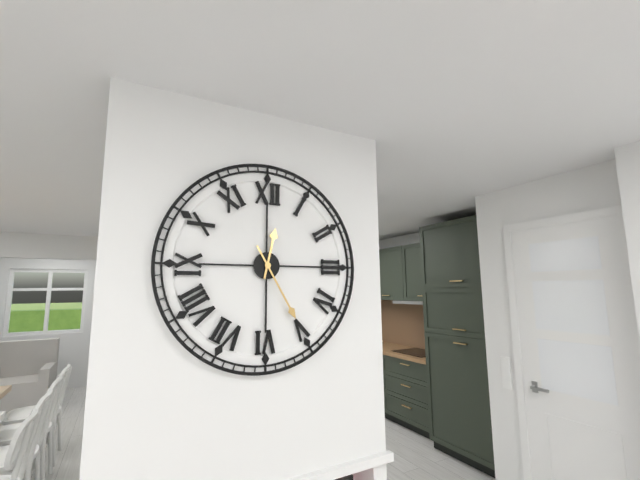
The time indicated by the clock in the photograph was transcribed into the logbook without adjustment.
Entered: 12:25
